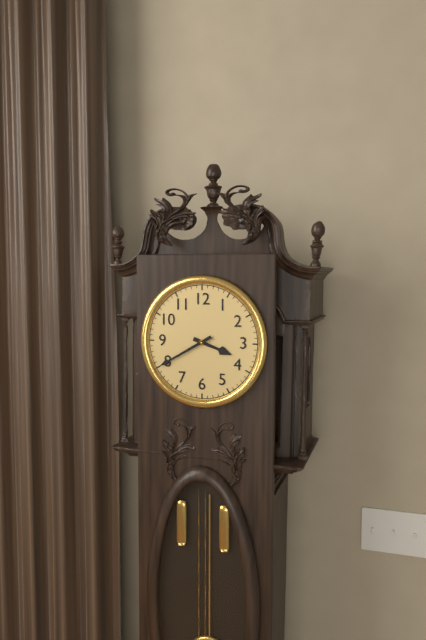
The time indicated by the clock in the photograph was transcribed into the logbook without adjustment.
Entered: 3:40
